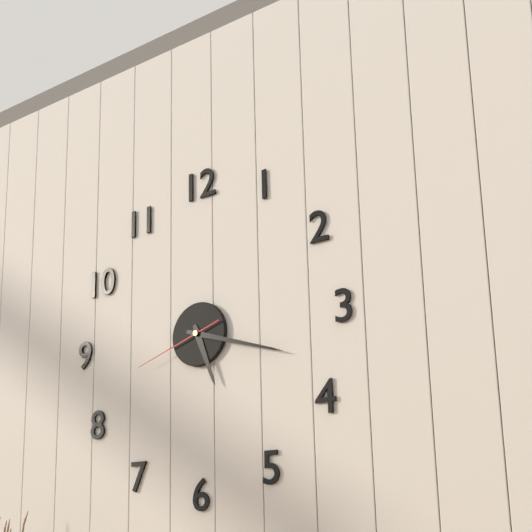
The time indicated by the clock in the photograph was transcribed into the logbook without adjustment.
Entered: 5:18:42
